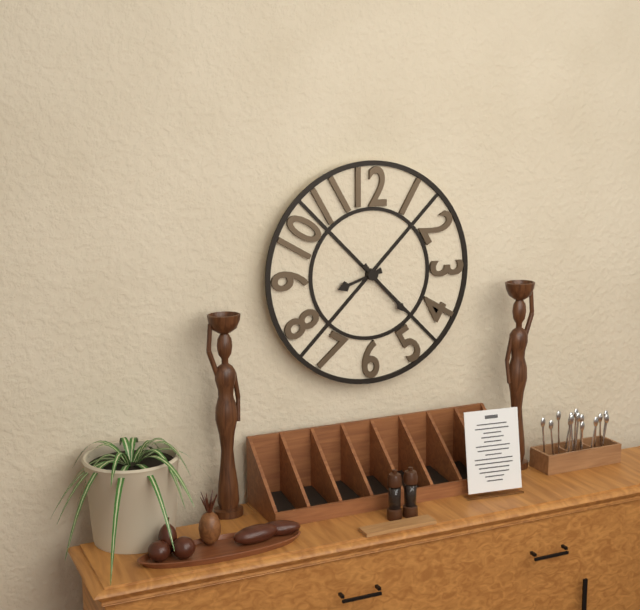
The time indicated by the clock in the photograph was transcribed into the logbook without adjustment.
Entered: 8:23
